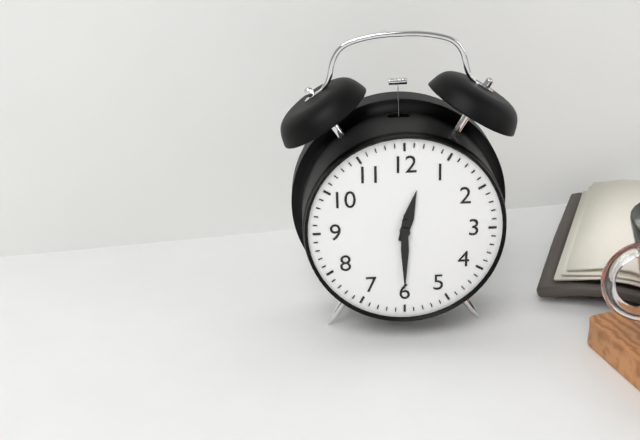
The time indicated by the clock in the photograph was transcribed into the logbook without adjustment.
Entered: 12:30
